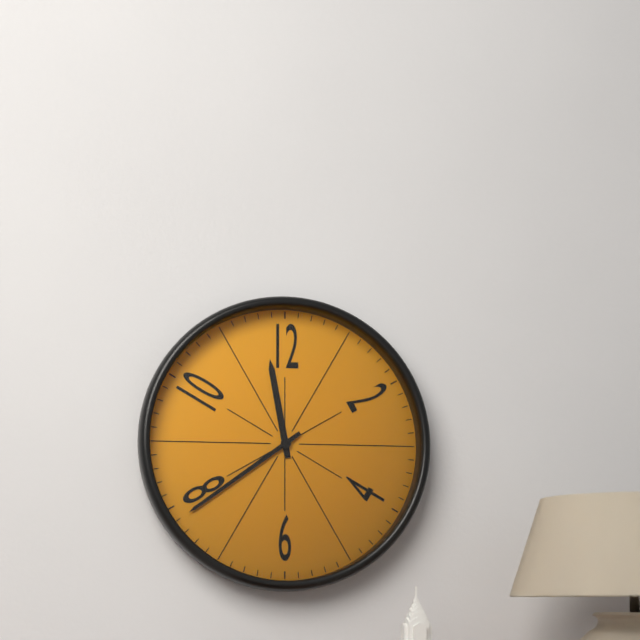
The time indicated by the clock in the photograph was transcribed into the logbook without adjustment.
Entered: 11:39
